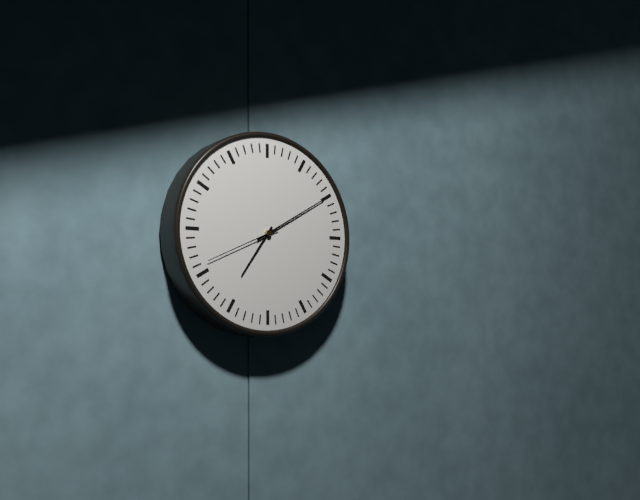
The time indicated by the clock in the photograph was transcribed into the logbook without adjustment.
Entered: 7:10:41
